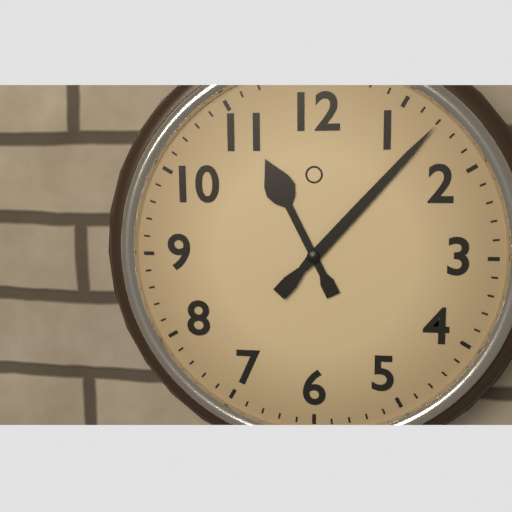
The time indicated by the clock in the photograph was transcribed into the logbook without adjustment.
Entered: 11:07
